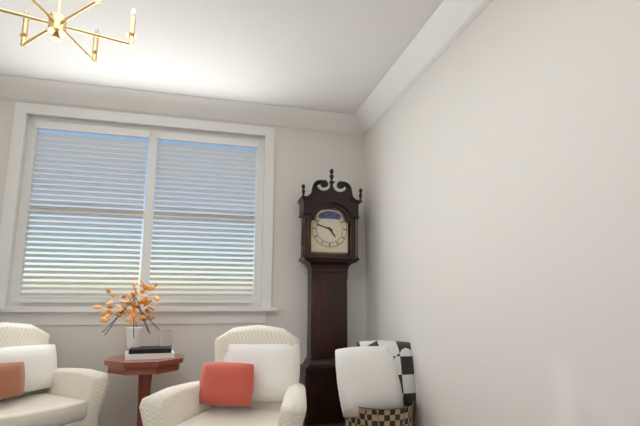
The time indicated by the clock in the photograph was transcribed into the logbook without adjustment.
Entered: 4:48
